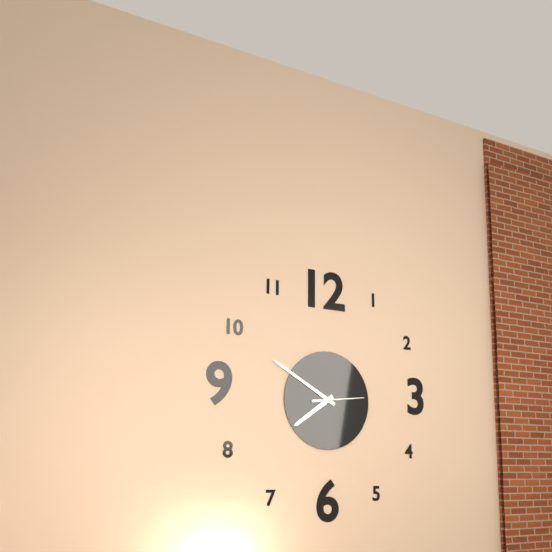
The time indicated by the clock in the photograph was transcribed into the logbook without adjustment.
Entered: 7:50
